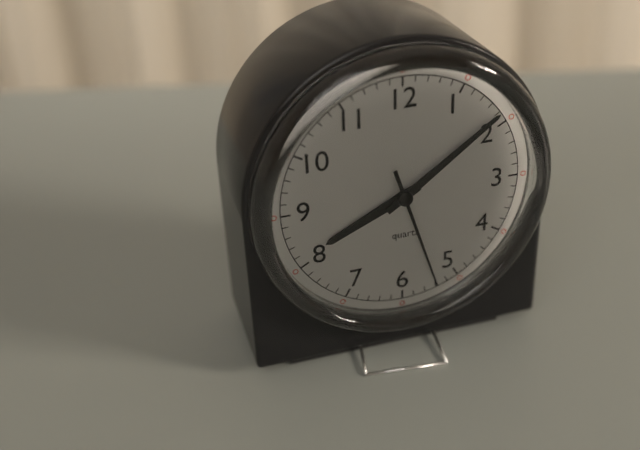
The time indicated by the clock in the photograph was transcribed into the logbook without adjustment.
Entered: 8:09:27
